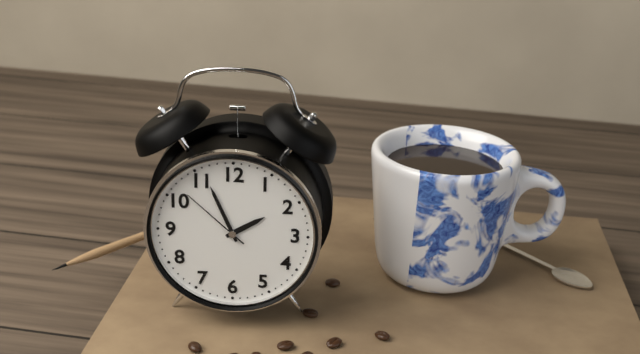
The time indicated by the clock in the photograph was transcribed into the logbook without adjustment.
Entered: 1:56:52
